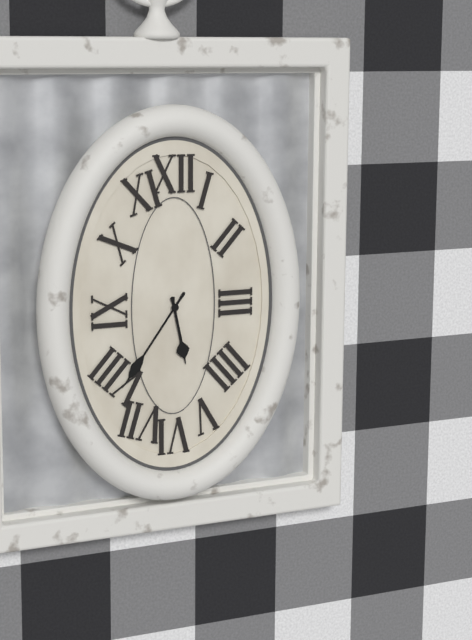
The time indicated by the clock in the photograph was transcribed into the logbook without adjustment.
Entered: 5:36
